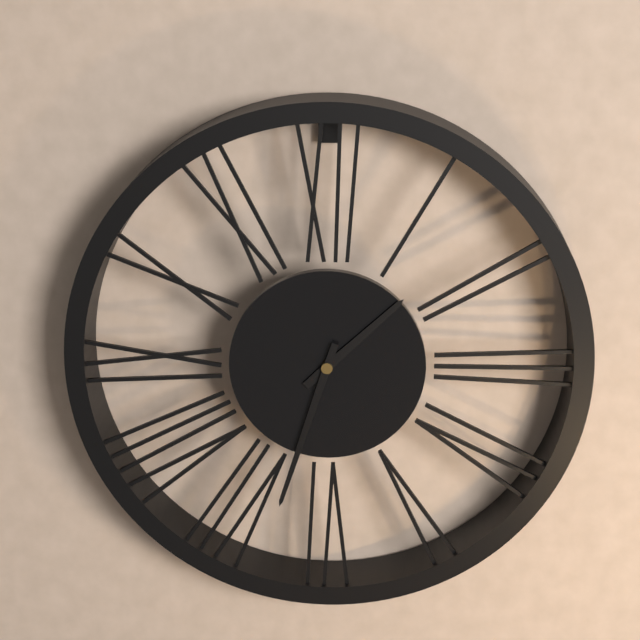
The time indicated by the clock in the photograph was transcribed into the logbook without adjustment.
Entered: 1:33
